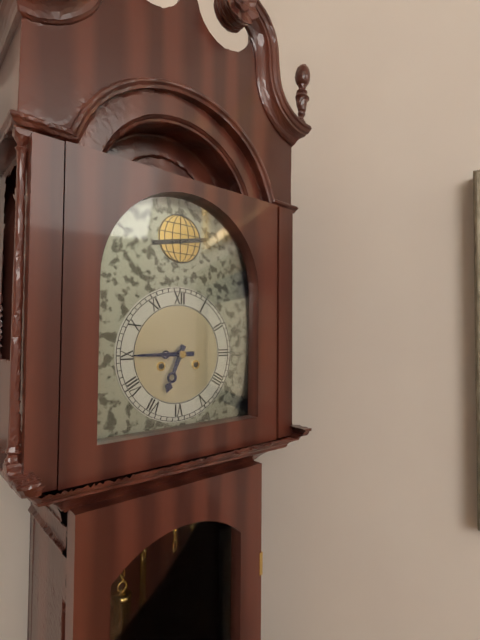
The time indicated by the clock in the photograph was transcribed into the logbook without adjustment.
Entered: 6:45
